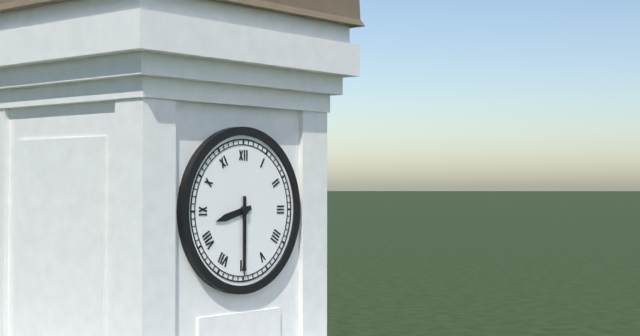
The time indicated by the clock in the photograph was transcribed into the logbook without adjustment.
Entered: 8:30
